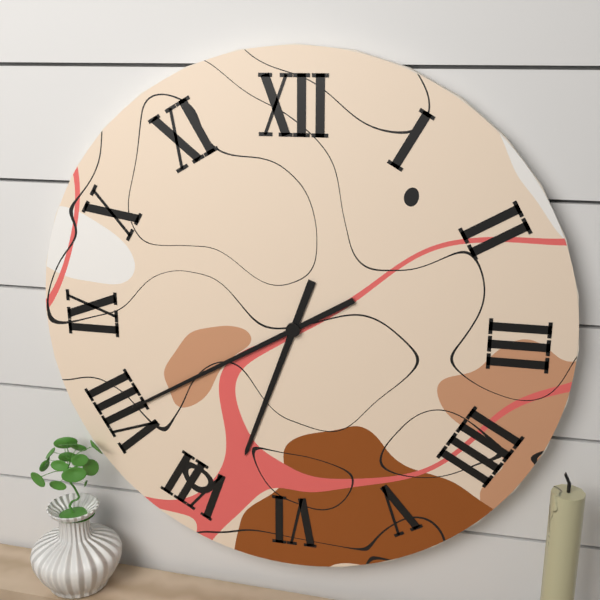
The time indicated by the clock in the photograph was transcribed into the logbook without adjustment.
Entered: 6:40
